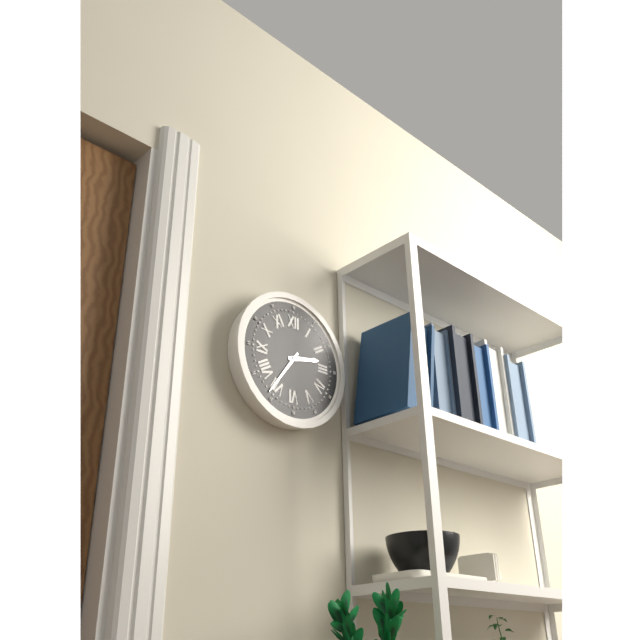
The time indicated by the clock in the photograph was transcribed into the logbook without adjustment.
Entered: 2:36
